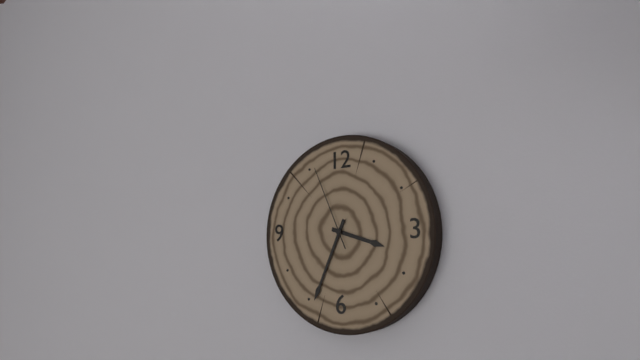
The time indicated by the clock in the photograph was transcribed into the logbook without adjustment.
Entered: 3:34:56
